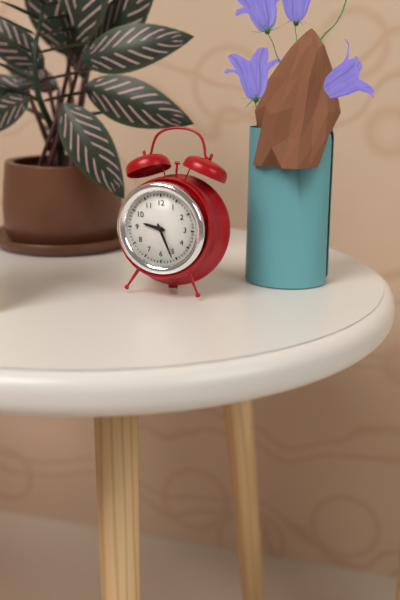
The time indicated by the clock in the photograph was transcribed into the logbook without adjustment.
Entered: 9:26
